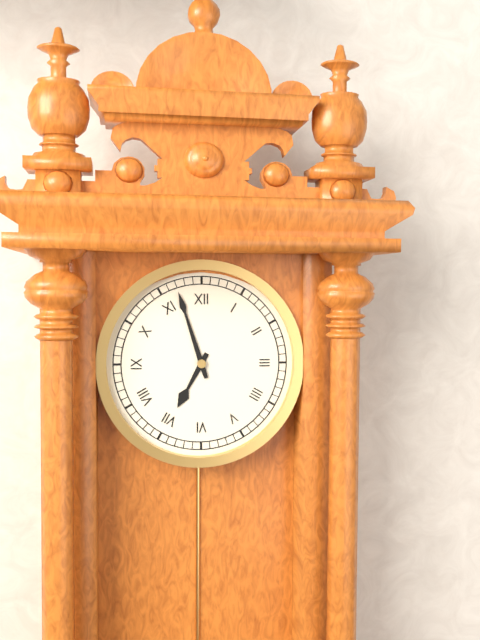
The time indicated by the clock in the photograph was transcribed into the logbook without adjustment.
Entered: 6:57
